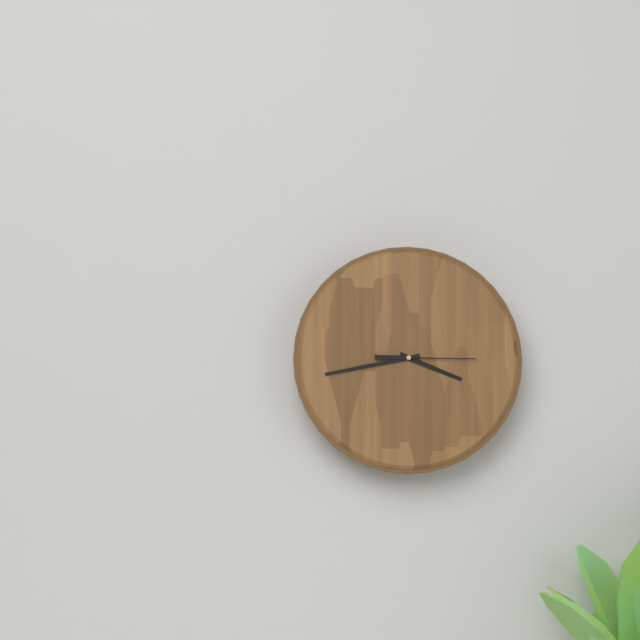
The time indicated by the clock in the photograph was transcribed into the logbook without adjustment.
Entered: 3:43:15
